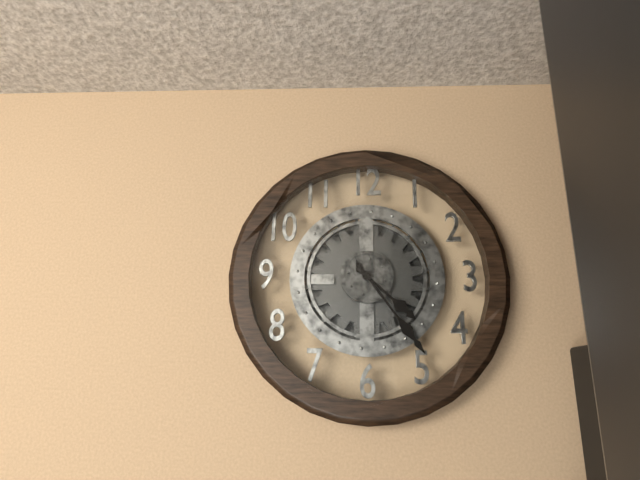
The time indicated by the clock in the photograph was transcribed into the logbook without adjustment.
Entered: 4:24
